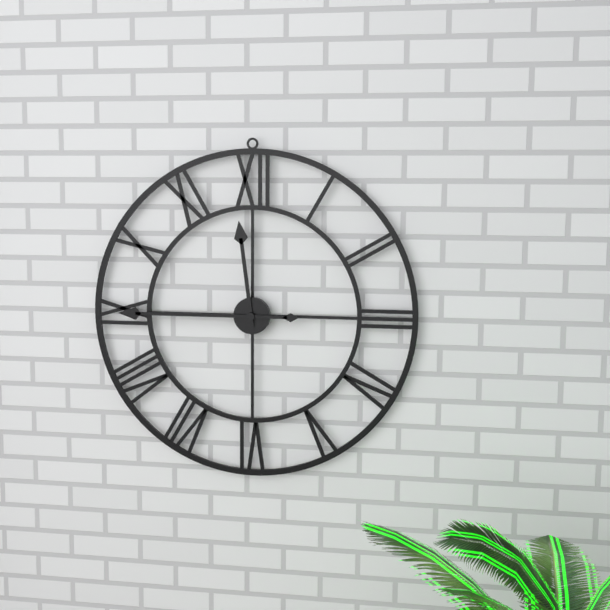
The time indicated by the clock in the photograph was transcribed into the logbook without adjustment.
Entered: 11:45
